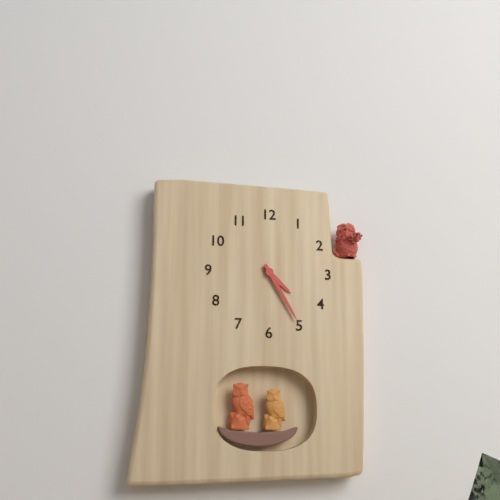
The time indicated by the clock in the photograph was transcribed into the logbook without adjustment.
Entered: 4:25
